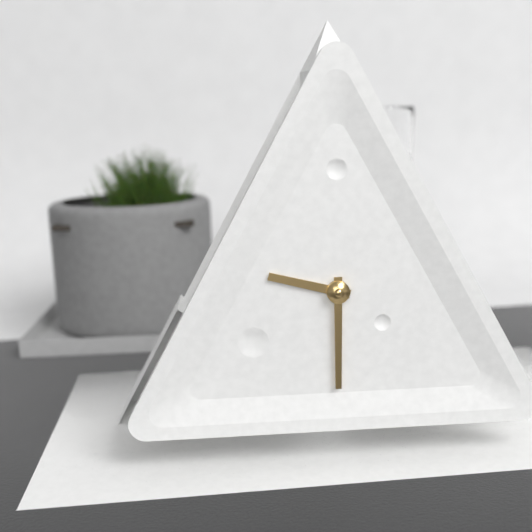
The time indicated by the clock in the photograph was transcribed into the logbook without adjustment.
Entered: 9:30
